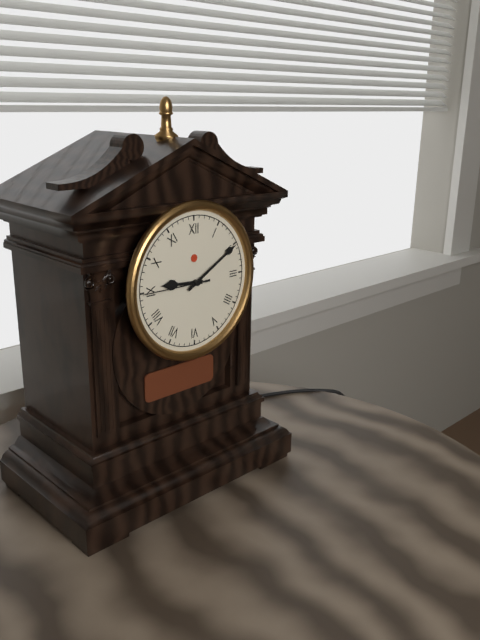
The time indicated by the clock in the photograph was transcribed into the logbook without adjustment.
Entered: 9:10:45
